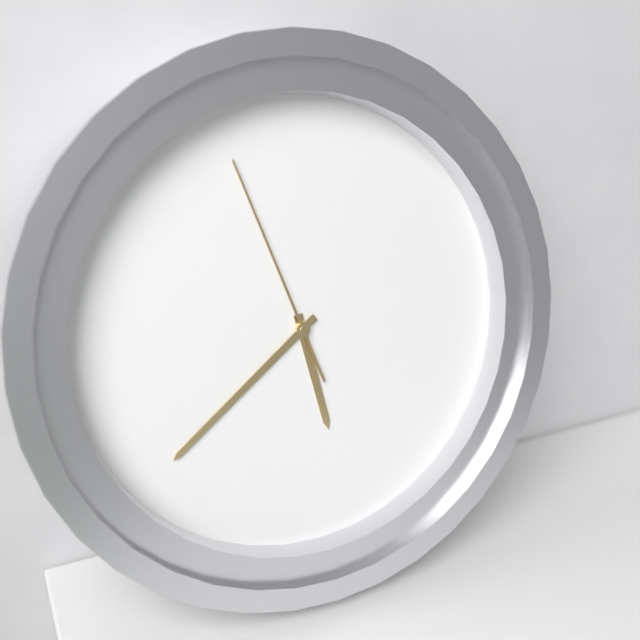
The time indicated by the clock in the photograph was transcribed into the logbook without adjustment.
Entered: 5:39:57
